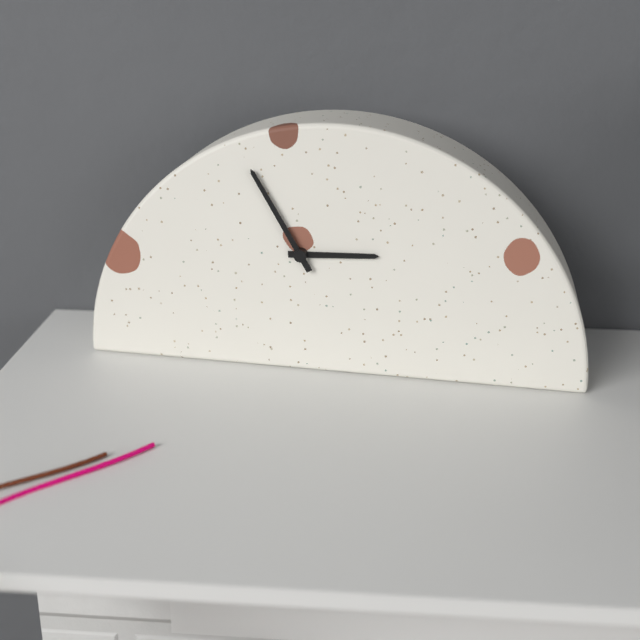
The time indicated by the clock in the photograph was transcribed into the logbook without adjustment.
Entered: 2:55
